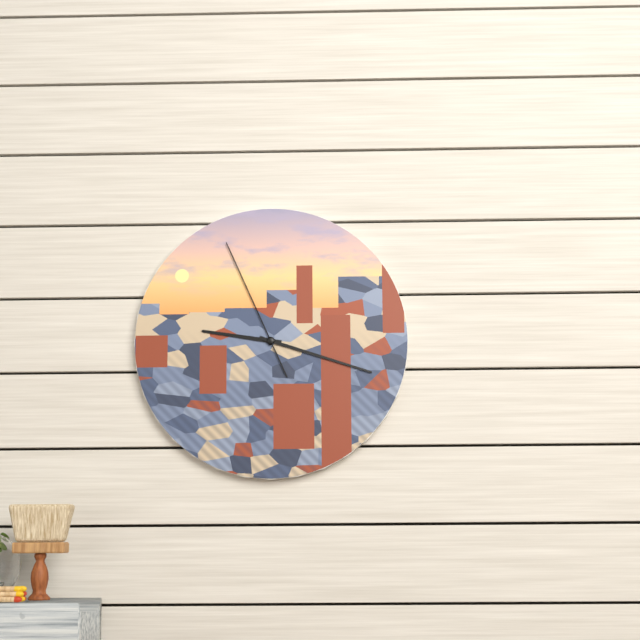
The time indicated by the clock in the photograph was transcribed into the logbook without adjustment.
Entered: 9:18:56
